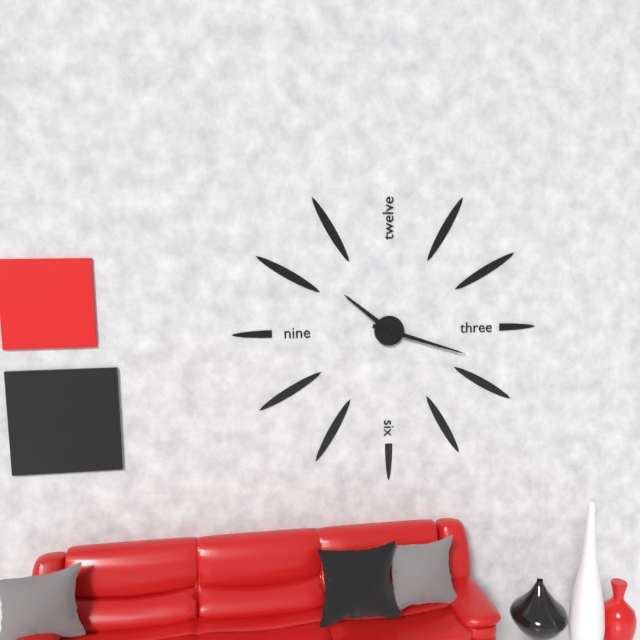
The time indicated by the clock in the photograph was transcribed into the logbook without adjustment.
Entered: 10:18
